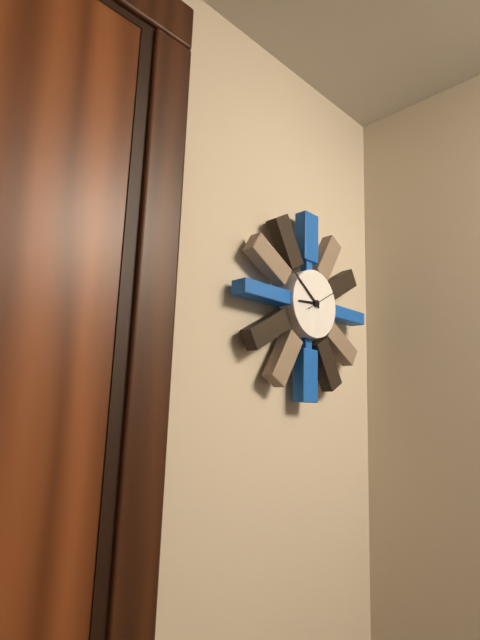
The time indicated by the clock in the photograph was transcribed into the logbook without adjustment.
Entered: 8:51
